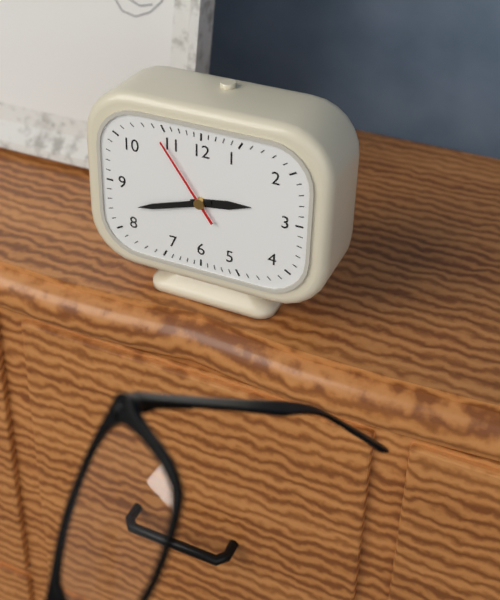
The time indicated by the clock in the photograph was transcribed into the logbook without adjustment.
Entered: 2:42:54
